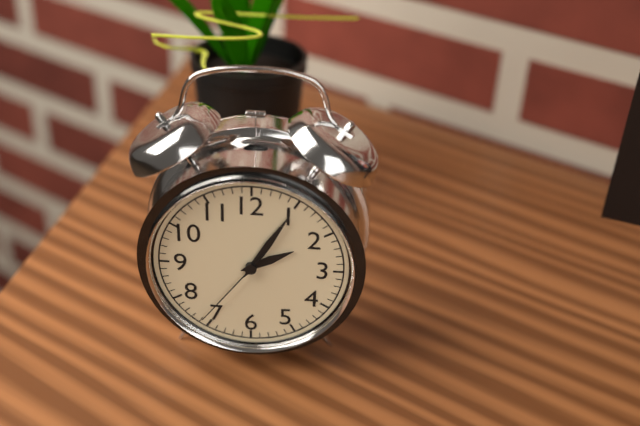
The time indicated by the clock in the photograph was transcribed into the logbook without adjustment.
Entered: 2:05:36
